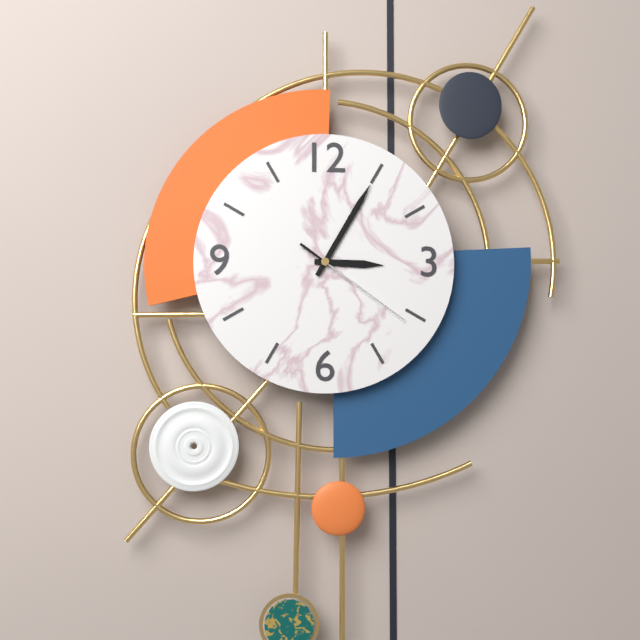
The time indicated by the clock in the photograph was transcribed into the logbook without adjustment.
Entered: 3:05:21
